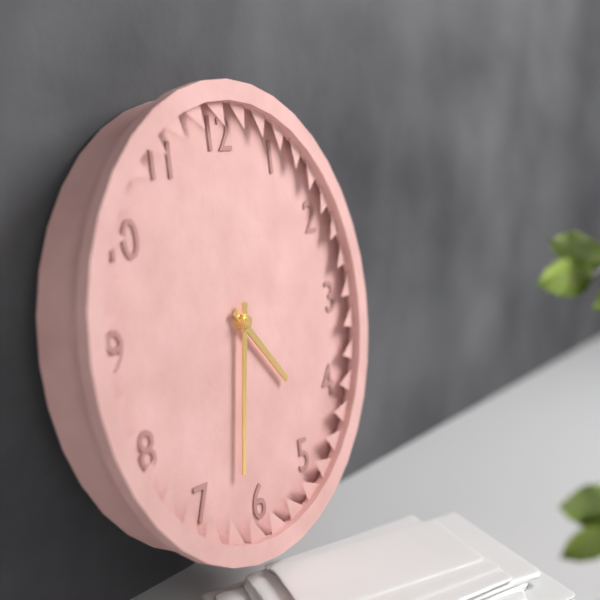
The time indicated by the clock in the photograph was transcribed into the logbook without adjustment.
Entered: 4:32
